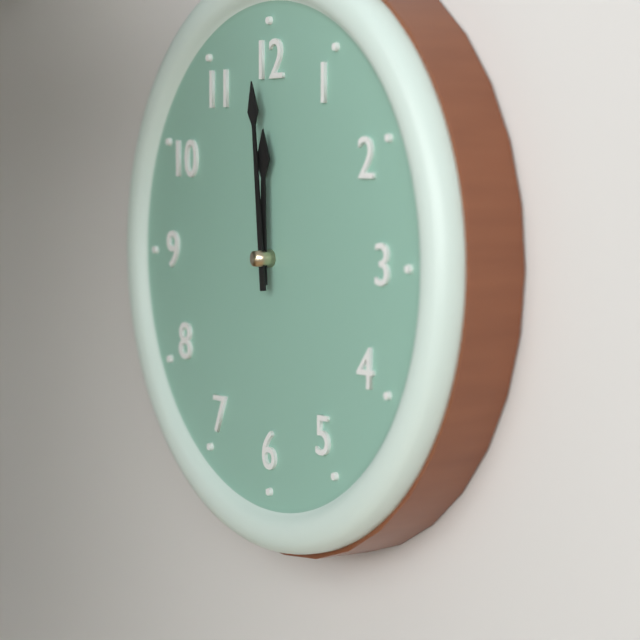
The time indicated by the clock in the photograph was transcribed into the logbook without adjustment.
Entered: 11:59
